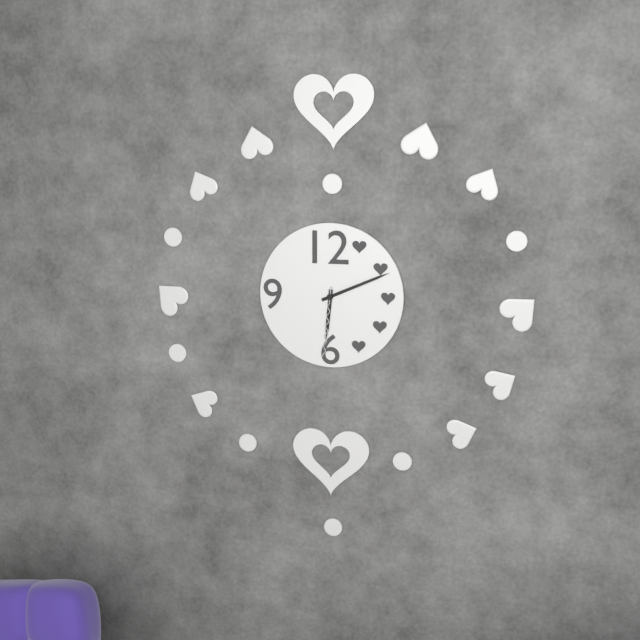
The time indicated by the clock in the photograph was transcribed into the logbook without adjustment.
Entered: 6:11:31
